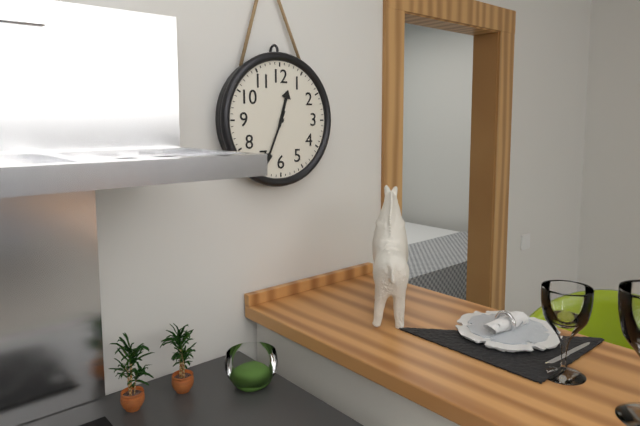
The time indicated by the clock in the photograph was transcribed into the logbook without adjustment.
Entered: 12:34
